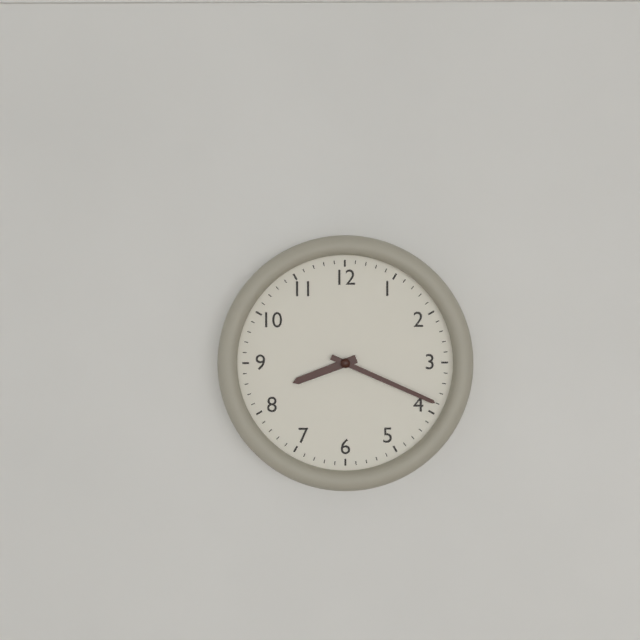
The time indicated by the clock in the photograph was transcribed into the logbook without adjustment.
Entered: 8:19
